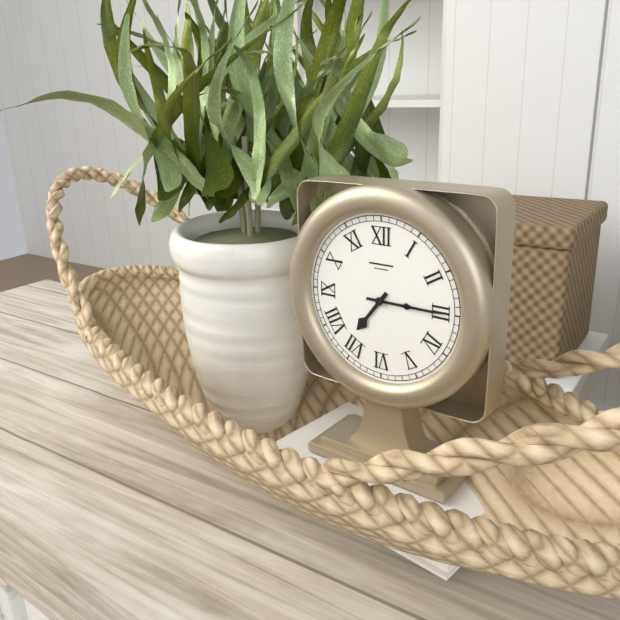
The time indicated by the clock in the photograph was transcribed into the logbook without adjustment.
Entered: 7:15
